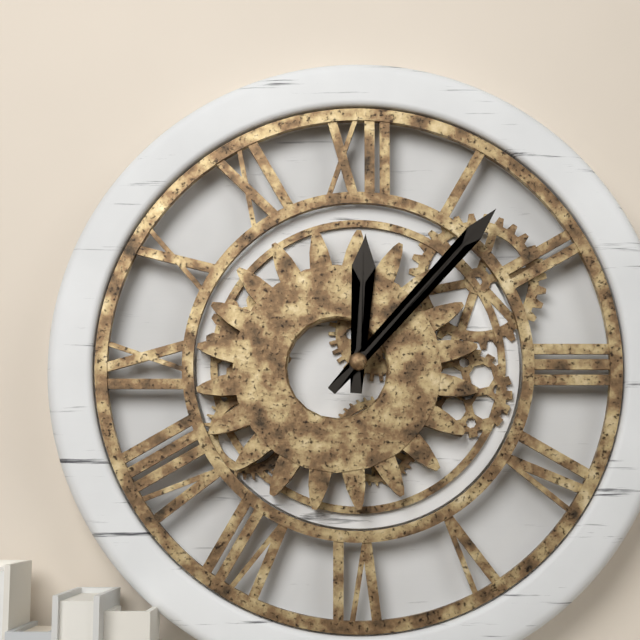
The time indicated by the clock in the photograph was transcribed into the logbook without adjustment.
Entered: 12:07
